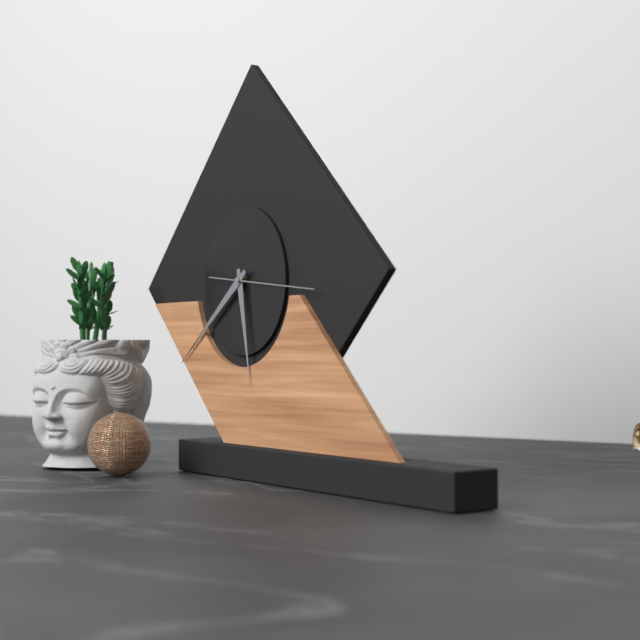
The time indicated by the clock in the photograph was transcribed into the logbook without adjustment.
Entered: 5:39:16
